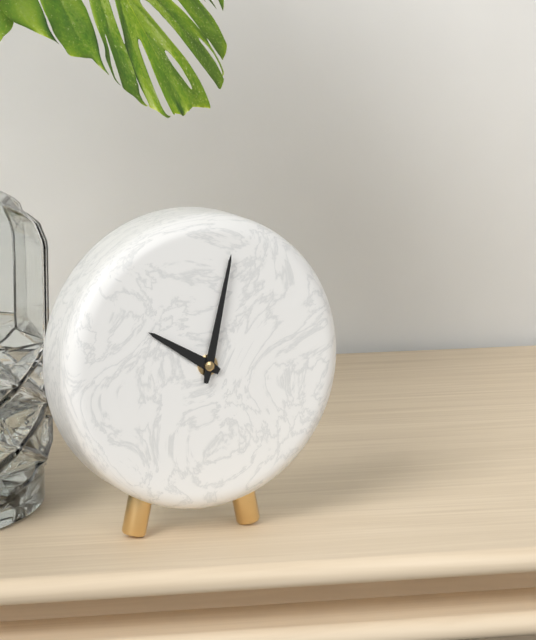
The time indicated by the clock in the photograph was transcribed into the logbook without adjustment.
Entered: 10:02
